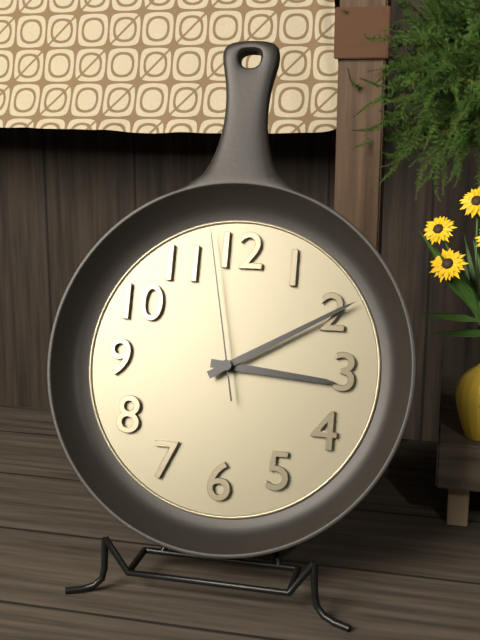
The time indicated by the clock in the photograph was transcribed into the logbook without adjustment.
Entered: 3:10:58
